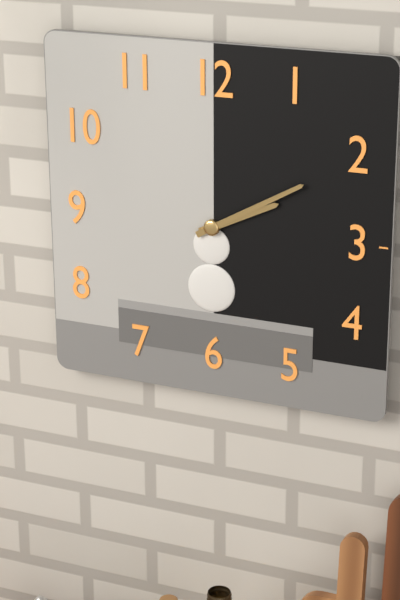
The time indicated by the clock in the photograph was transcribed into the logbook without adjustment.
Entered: 2:10
